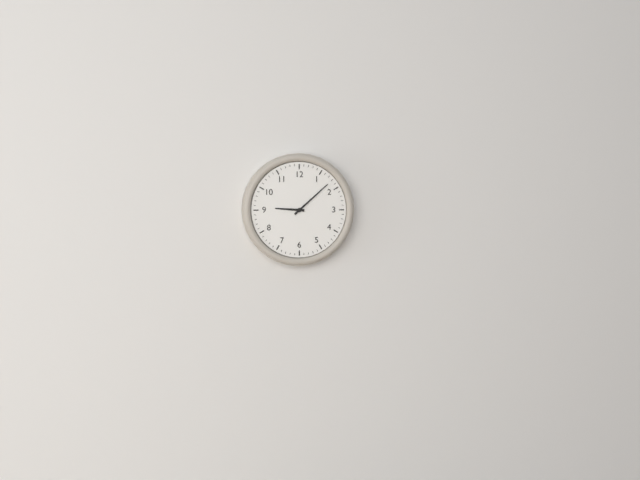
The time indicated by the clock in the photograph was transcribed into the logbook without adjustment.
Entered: 9:08
